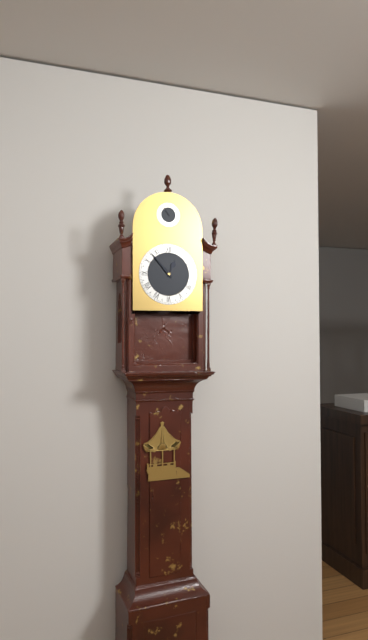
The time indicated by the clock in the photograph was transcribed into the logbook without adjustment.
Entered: 12:53
